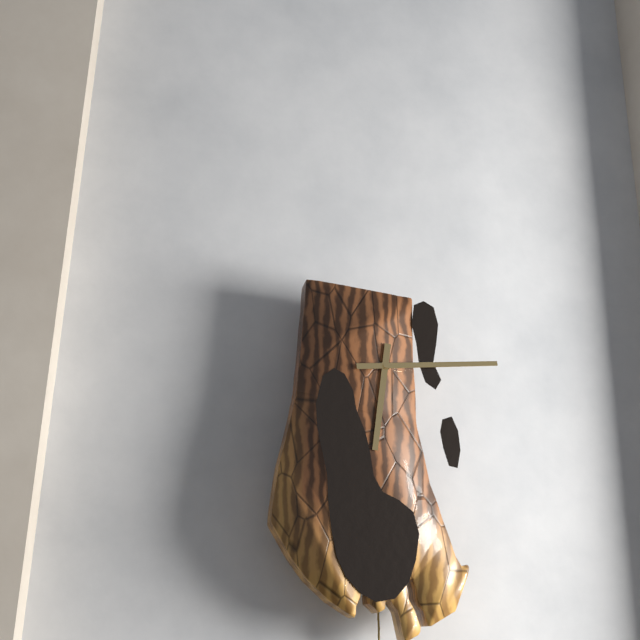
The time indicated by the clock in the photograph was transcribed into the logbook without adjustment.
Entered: 6:14
